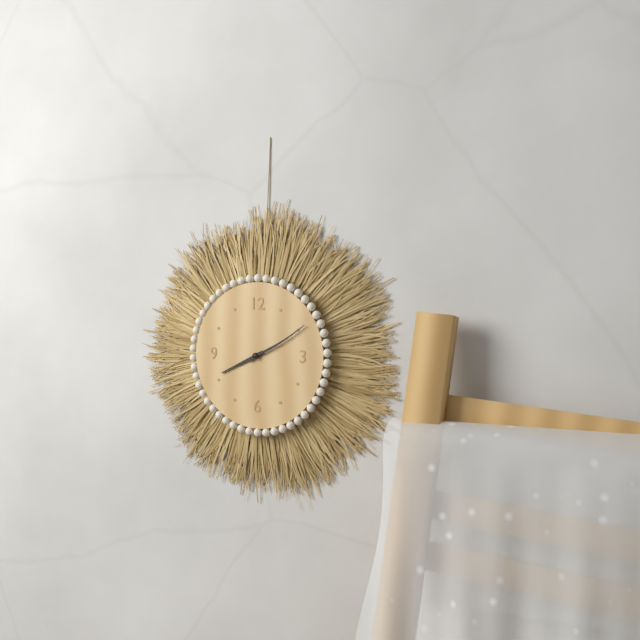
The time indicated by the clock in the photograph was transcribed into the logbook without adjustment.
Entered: 8:10
